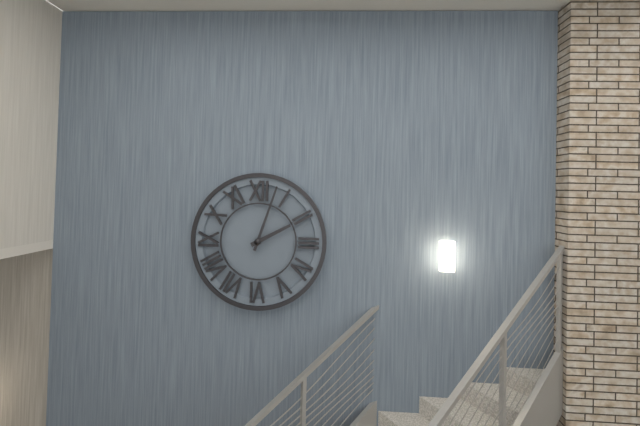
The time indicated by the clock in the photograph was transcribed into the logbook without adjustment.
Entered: 2:03
